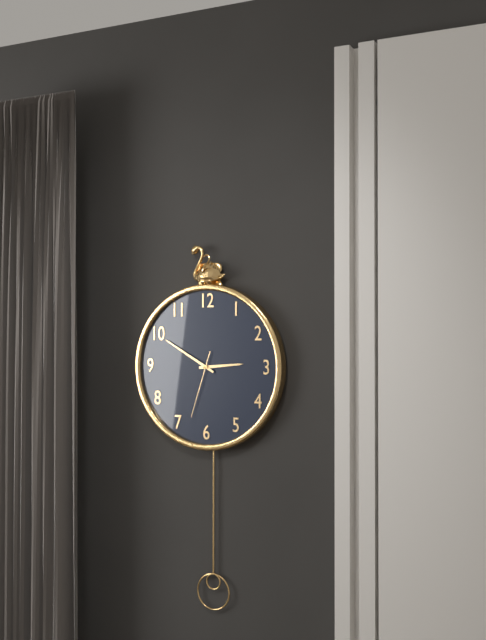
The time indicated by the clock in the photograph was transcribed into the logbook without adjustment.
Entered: 2:50:33
